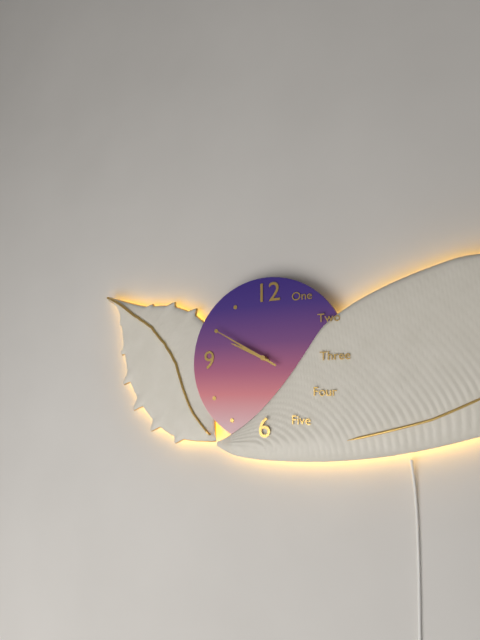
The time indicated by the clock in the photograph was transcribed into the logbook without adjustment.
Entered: 9:50
